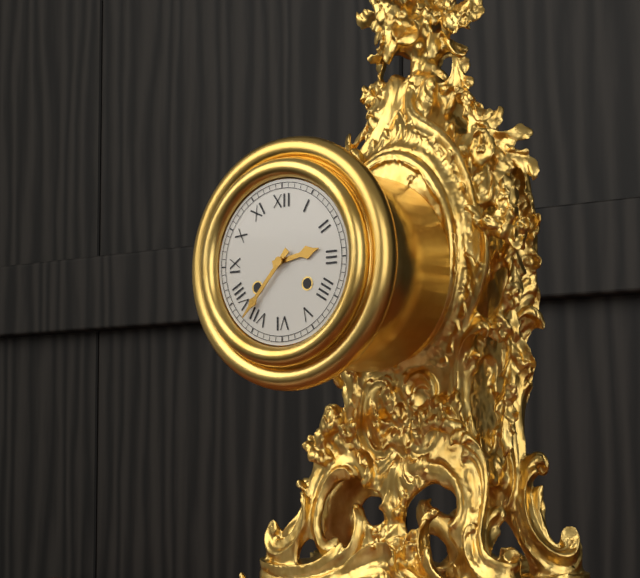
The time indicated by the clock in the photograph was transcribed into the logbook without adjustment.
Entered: 2:37
